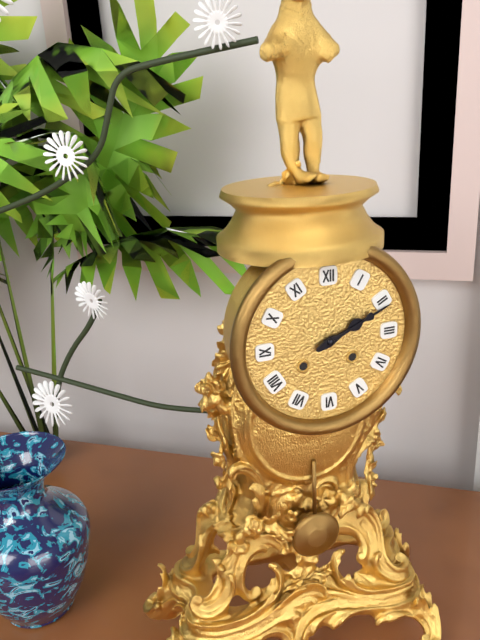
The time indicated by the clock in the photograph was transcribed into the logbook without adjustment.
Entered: 2:11
